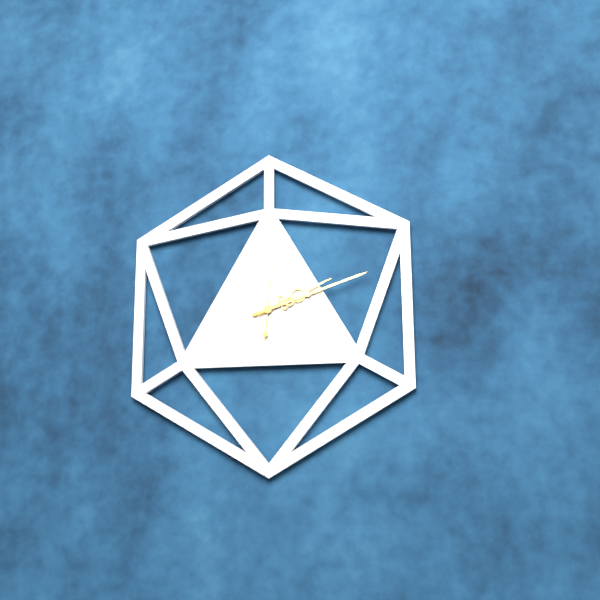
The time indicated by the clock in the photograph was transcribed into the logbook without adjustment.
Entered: 2:12:01
